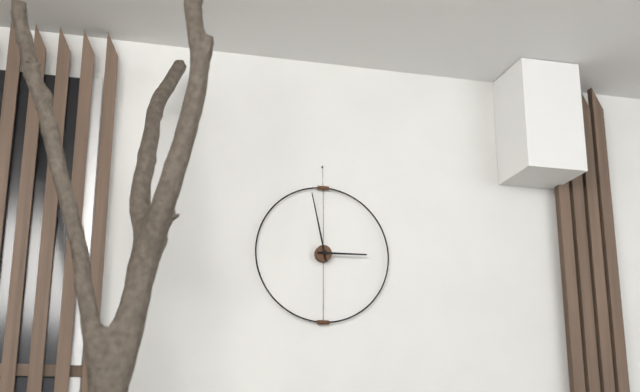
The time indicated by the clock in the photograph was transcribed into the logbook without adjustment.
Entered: 2:58
